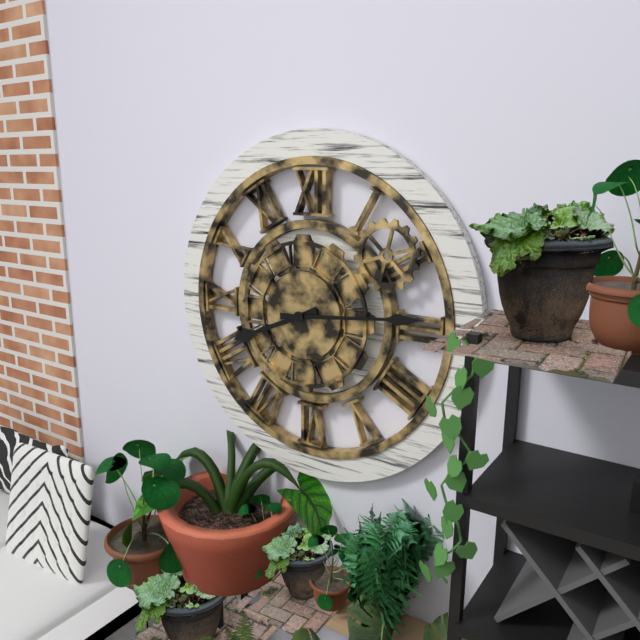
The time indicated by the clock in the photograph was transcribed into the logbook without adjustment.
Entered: 8:14
